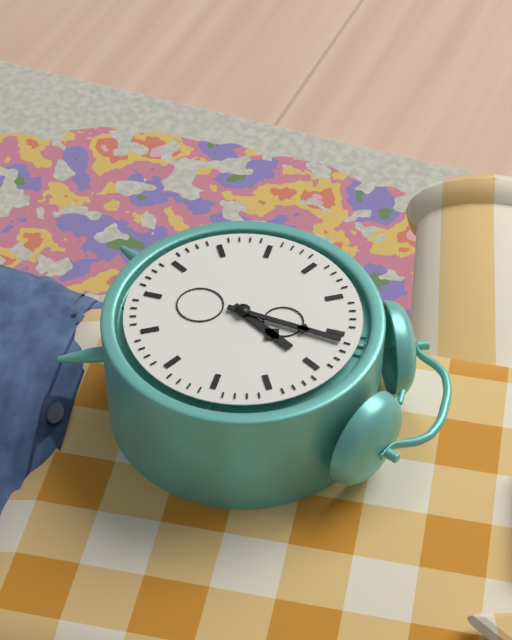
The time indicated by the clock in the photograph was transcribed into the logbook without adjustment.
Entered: 1:01
